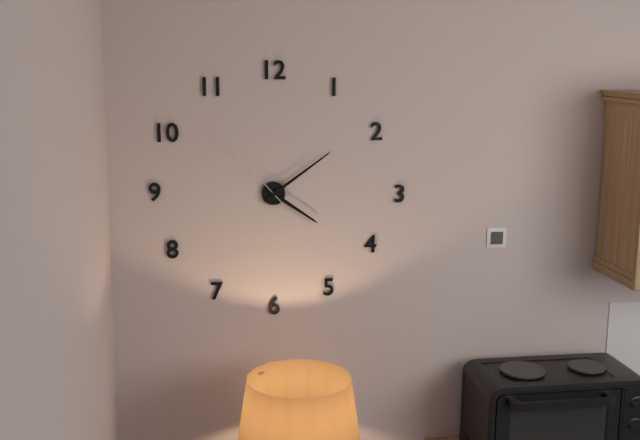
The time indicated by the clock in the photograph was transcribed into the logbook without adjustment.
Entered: 4:09:53
